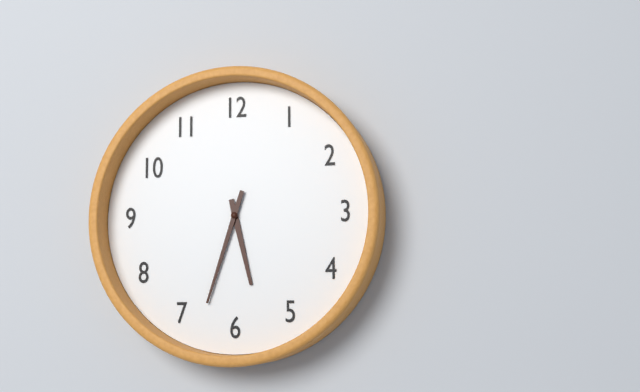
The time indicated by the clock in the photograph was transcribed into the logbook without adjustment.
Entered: 5:33
